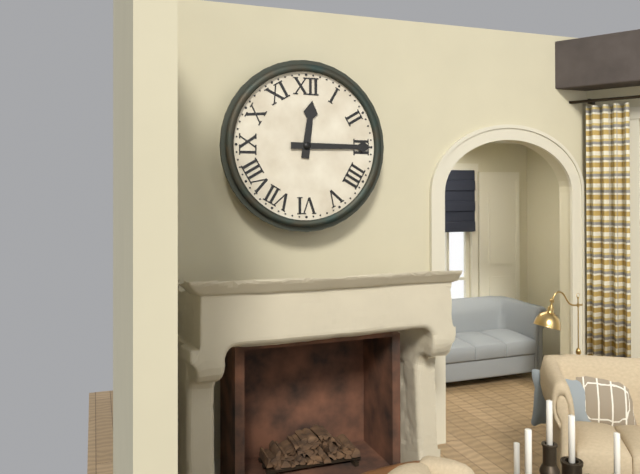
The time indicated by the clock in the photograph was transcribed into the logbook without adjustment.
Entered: 12:15
